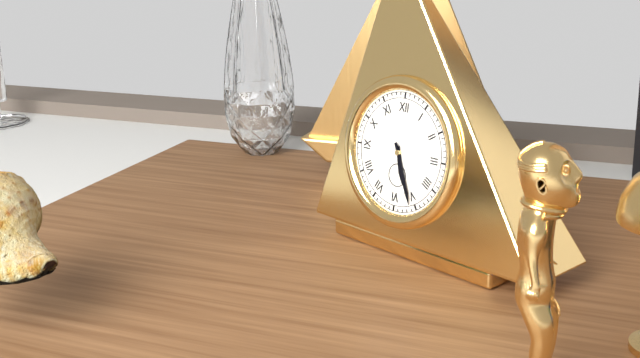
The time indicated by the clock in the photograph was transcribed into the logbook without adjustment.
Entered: 5:26
